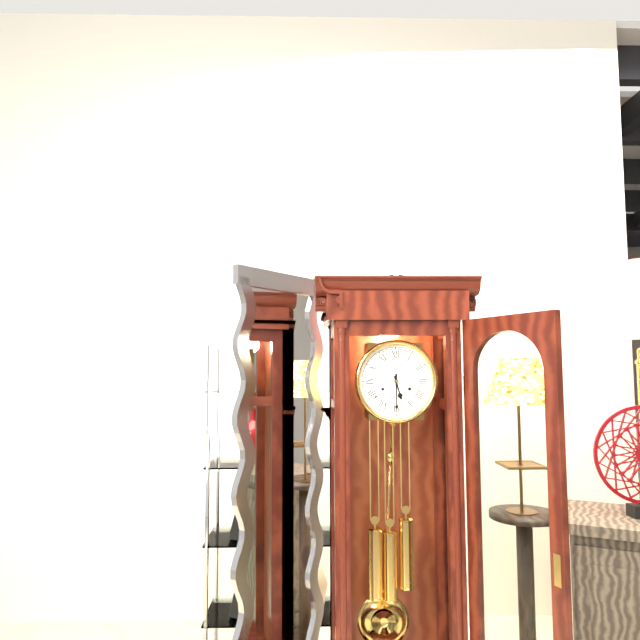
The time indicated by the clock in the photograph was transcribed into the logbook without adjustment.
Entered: 5:30
